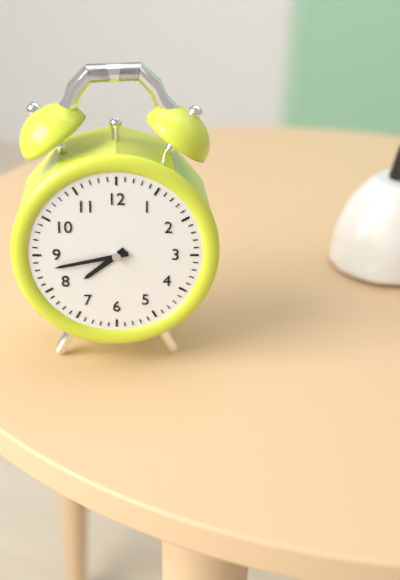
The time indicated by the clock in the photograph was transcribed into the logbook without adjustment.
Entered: 7:43
